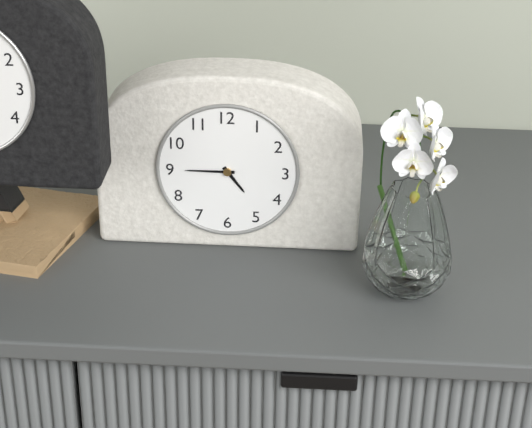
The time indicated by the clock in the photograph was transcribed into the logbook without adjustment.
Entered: 4:45
